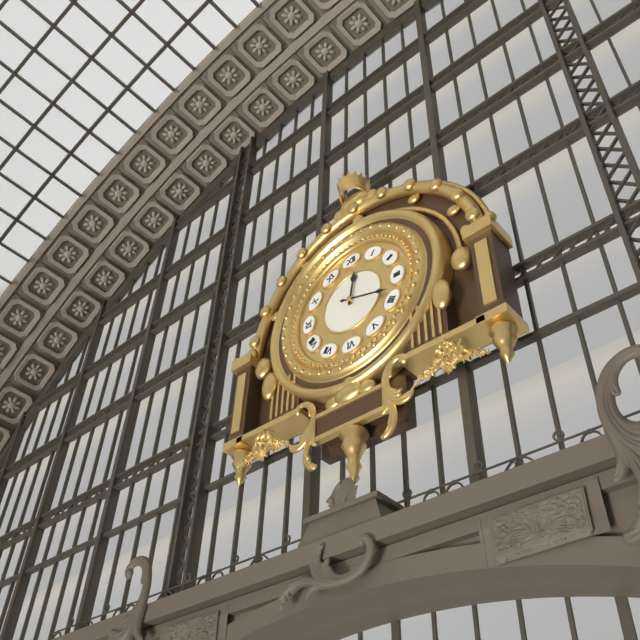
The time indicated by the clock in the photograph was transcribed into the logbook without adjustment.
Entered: 12:18
